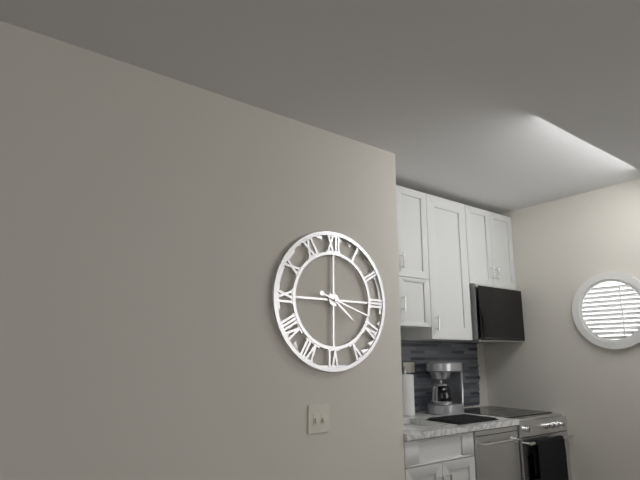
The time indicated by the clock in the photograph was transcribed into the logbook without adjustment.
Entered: 4:18
